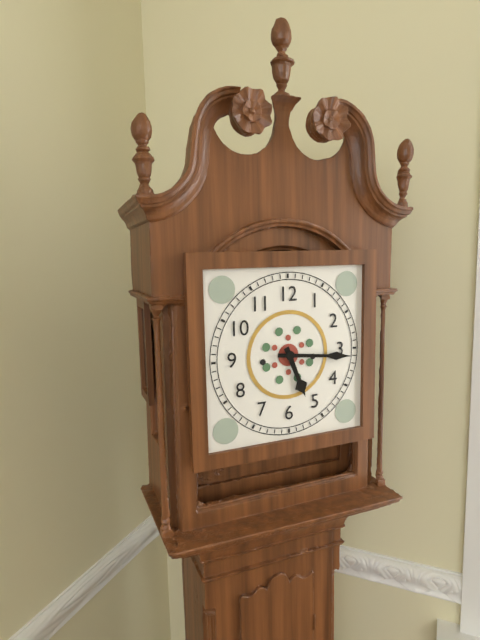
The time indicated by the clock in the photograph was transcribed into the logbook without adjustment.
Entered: 5:16
